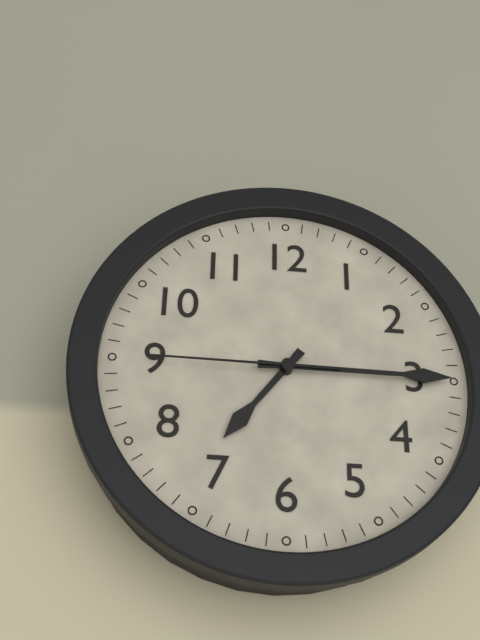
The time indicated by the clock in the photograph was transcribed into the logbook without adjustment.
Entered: 7:15:45
